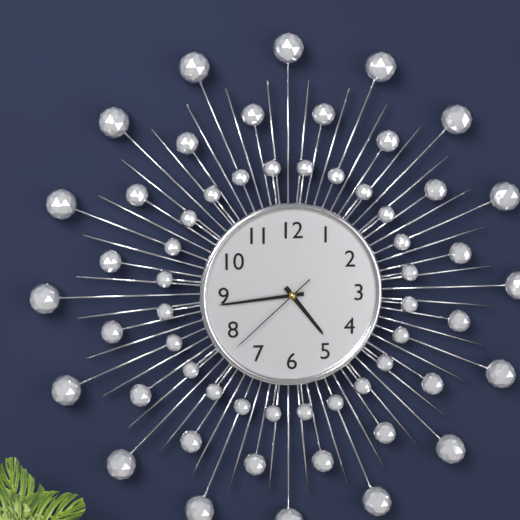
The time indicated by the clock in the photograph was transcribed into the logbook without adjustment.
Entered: 4:44:38
